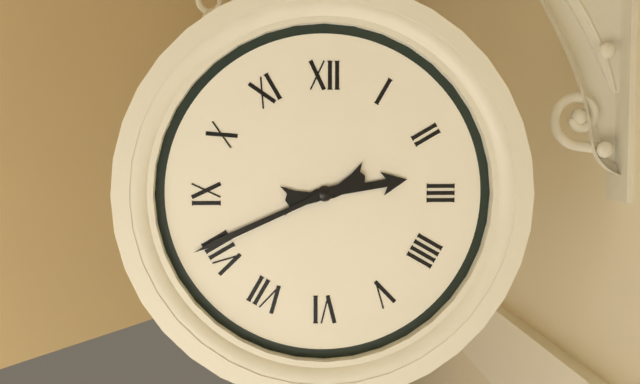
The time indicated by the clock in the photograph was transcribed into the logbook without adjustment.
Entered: 2:41
